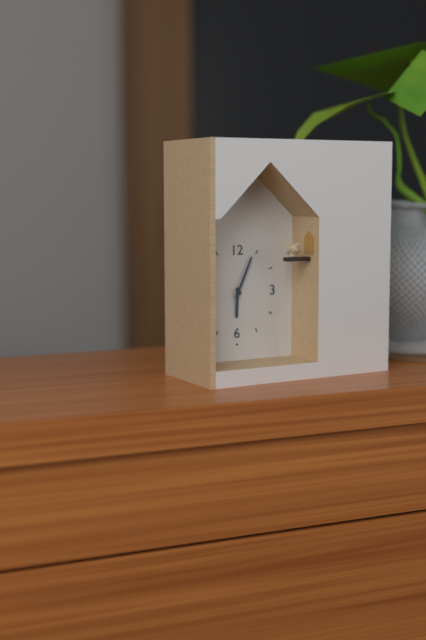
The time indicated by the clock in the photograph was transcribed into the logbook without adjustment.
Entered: 6:04
